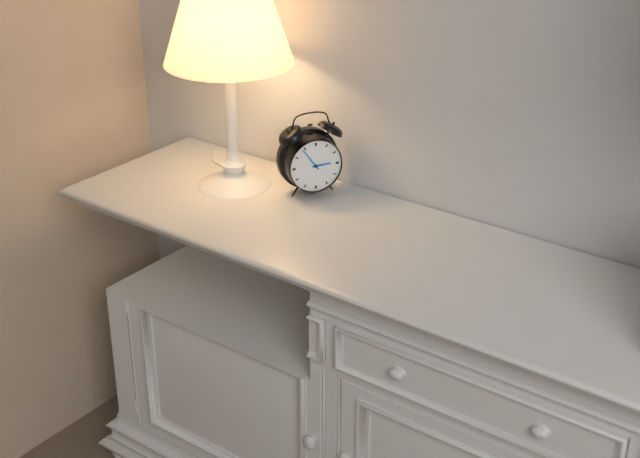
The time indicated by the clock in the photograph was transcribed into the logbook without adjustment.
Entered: 2:54
